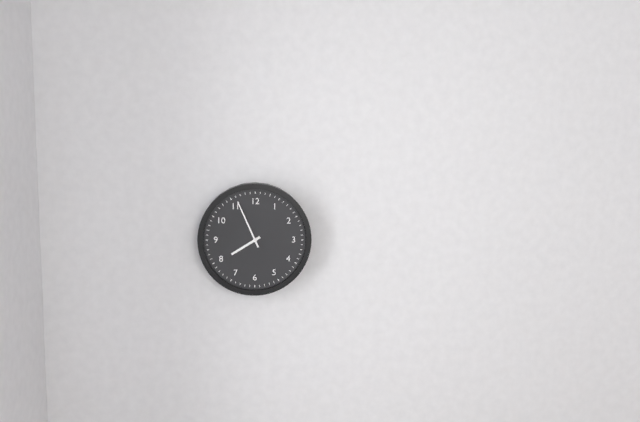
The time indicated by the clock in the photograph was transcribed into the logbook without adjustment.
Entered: 7:56
